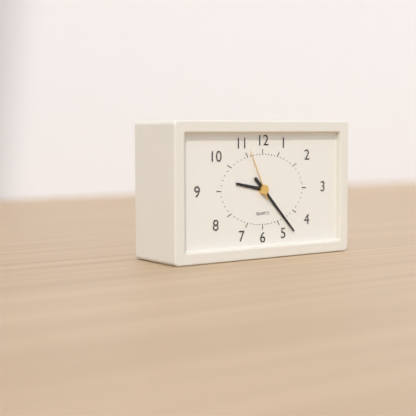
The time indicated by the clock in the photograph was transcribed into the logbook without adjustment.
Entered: 9:23:56
